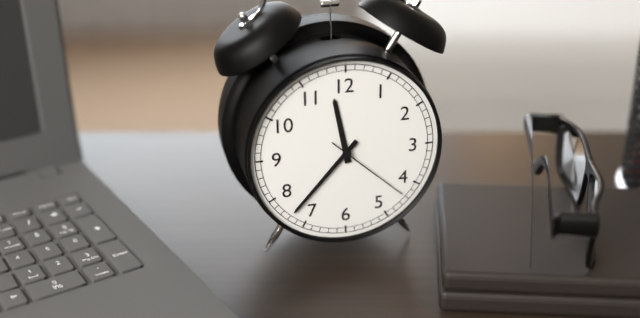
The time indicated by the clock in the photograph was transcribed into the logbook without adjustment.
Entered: 11:37:22
